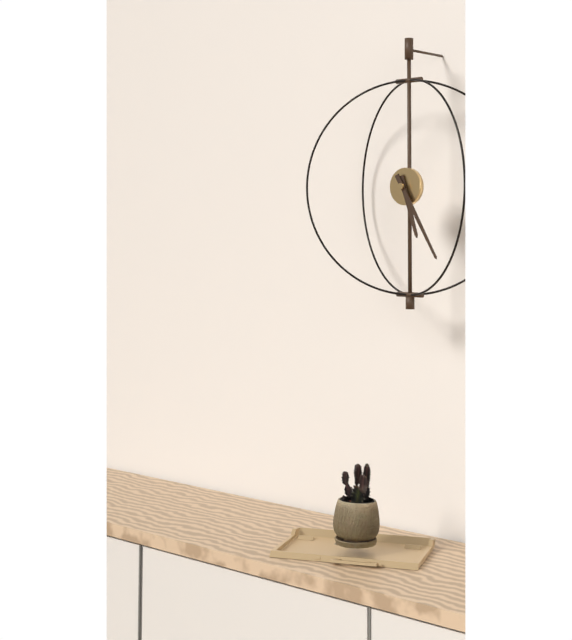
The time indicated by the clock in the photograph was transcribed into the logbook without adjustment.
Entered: 5:25
